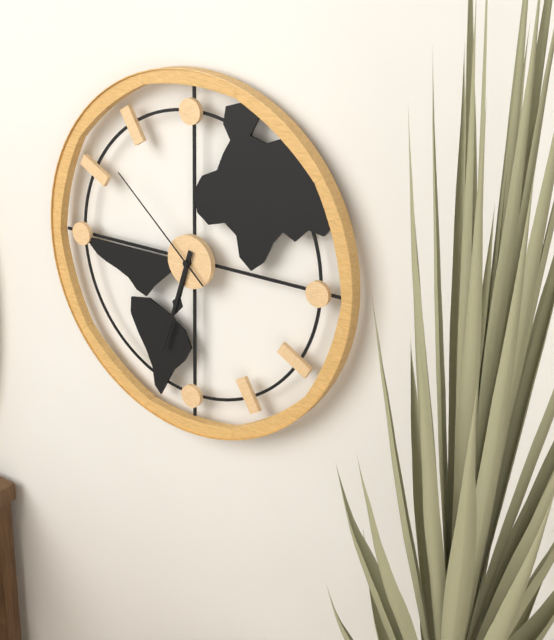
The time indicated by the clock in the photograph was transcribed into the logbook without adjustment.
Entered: 6:33:52
